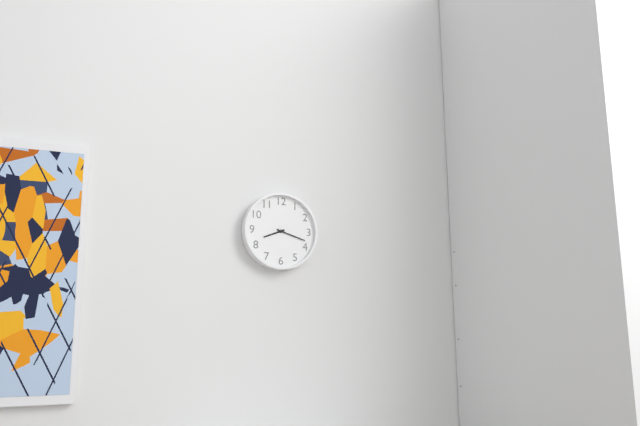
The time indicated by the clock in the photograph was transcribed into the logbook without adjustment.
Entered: 8:18
